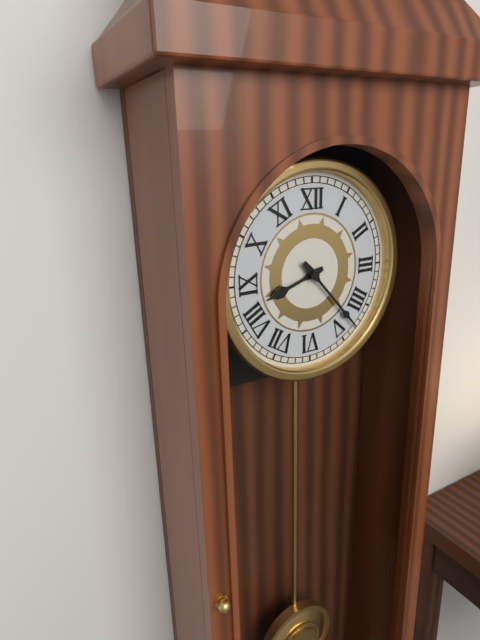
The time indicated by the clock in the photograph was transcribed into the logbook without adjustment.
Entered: 8:23
